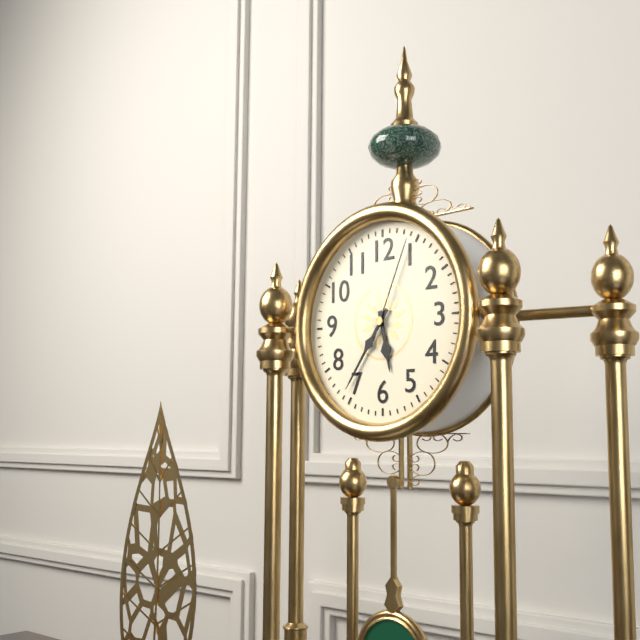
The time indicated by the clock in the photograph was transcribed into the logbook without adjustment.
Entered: 5:36:04
